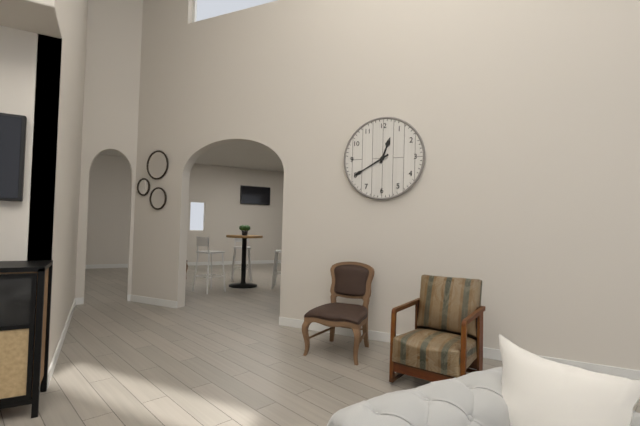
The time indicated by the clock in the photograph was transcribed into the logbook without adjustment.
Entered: 12:40
